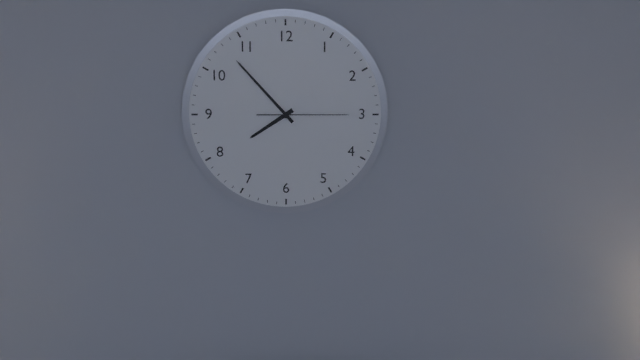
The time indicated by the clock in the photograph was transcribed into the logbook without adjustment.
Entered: 7:53:15
